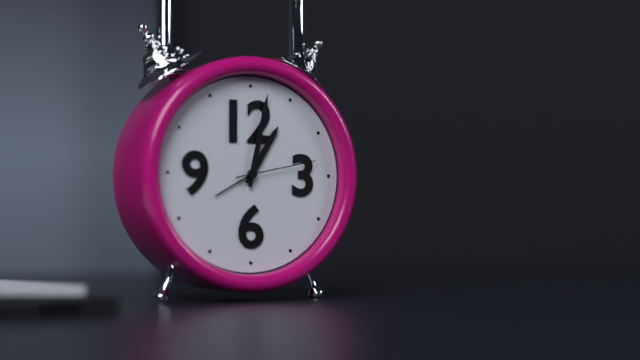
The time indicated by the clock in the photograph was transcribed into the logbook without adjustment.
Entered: 1:02:13
